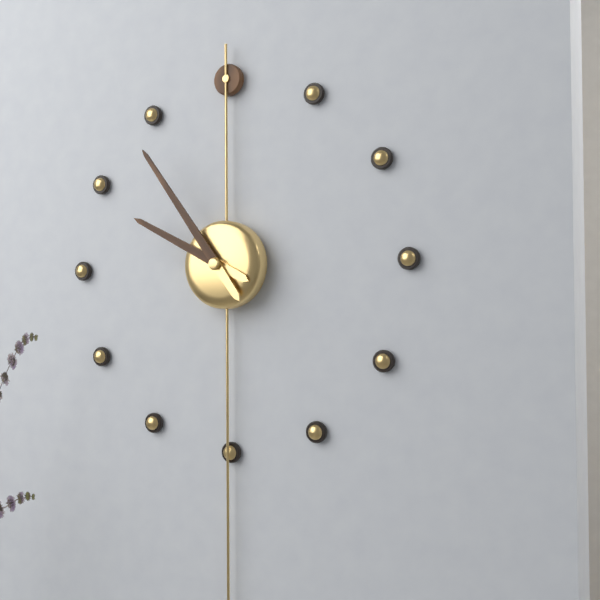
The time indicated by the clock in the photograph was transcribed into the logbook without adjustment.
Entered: 9:54
